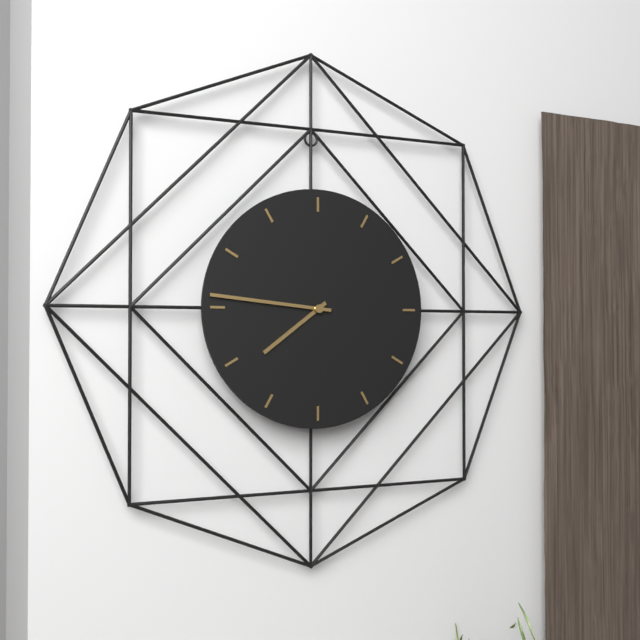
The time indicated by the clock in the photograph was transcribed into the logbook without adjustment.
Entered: 7:46
